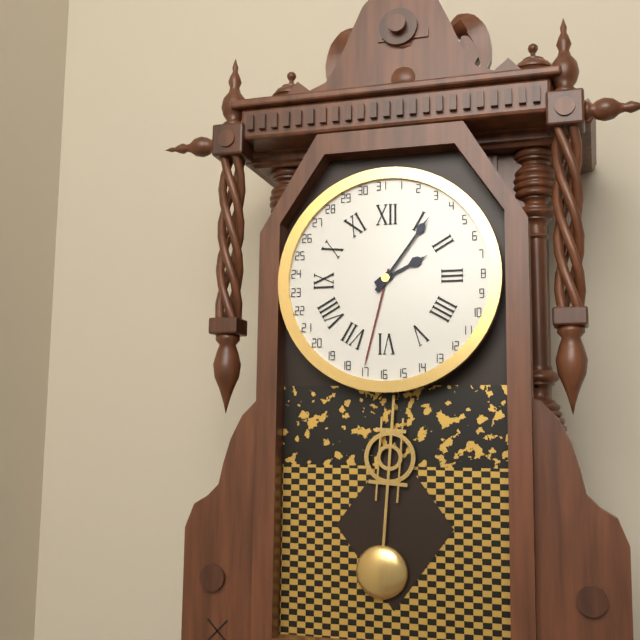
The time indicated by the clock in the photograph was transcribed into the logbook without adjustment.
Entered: 2:06
